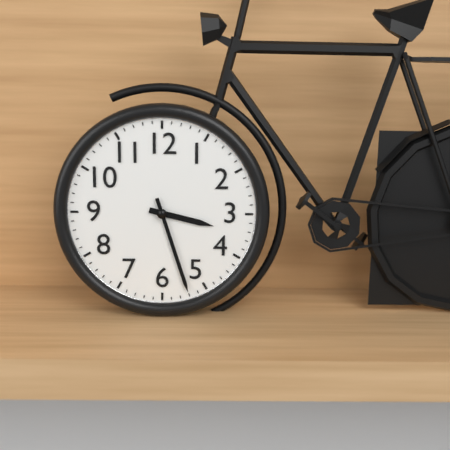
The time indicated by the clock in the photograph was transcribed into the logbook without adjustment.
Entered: 3:27
